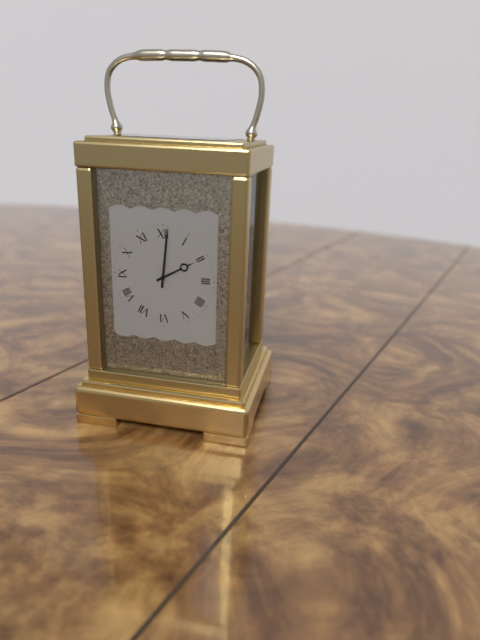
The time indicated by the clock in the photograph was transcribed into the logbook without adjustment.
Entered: 2:01
